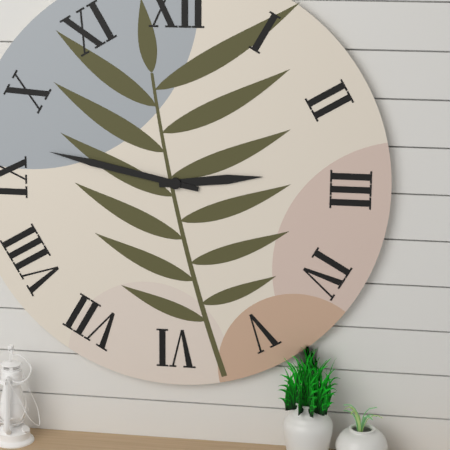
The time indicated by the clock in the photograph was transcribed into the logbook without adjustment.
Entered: 2:47
